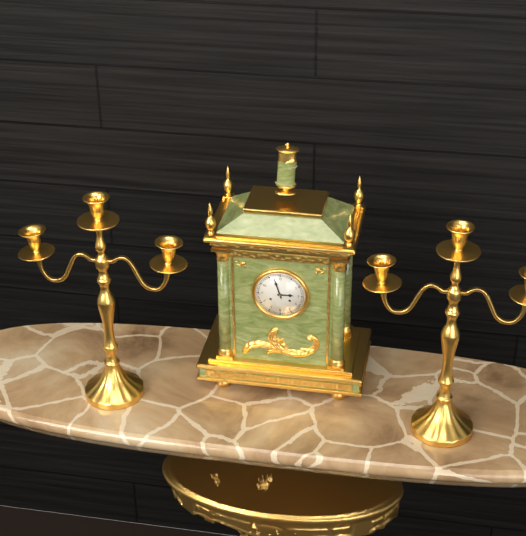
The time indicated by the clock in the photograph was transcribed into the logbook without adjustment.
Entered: 2:57
